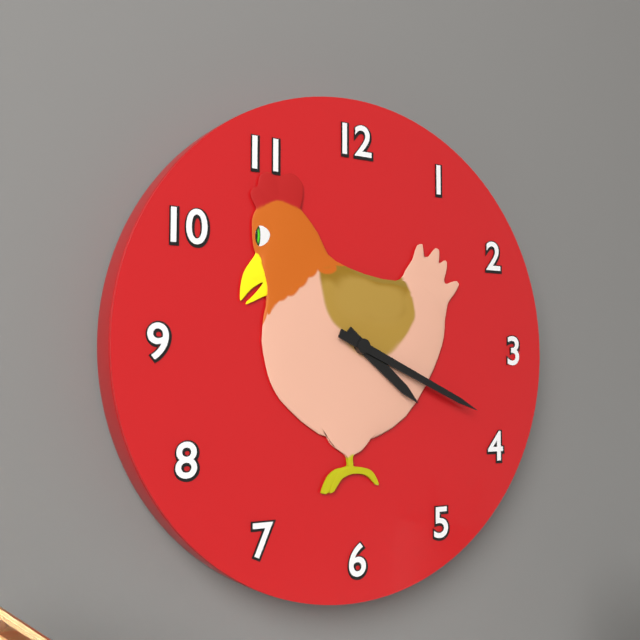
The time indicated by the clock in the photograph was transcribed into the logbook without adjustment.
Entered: 4:19
